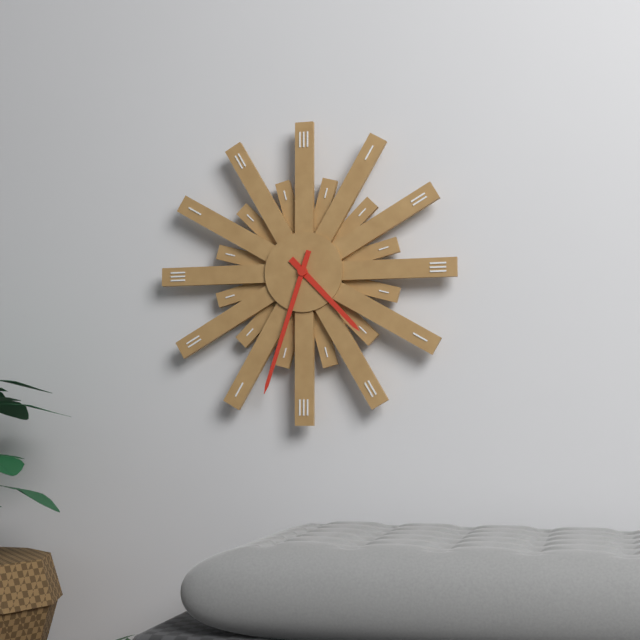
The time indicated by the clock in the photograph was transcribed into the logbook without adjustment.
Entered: 4:33
